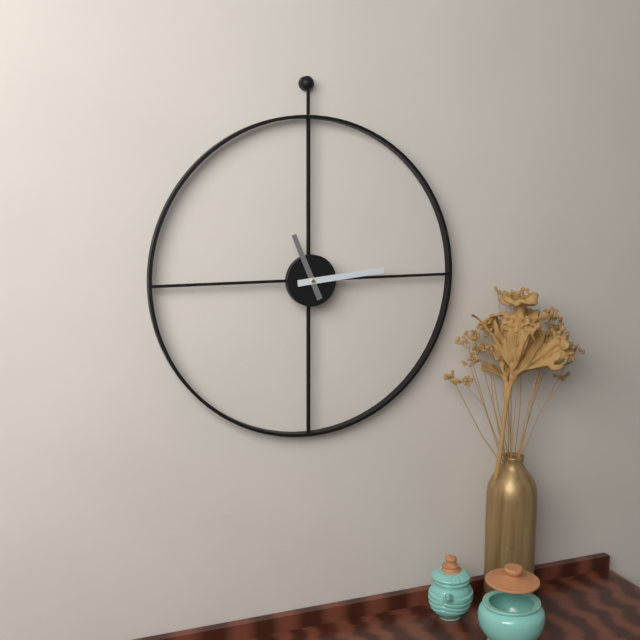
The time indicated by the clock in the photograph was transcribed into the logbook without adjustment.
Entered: 11:14
